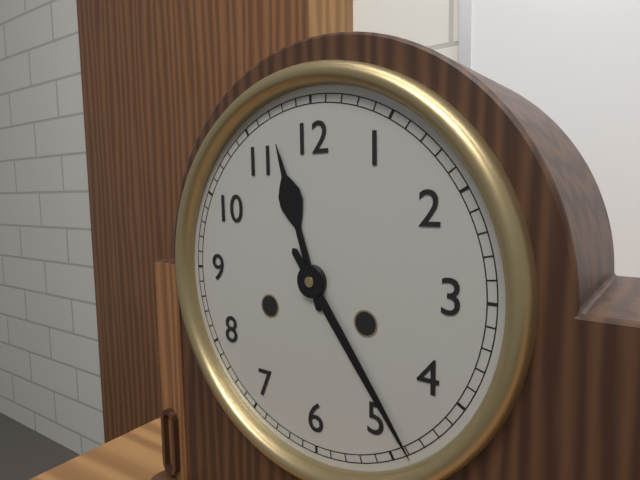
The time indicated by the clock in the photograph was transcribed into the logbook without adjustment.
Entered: 11:24
